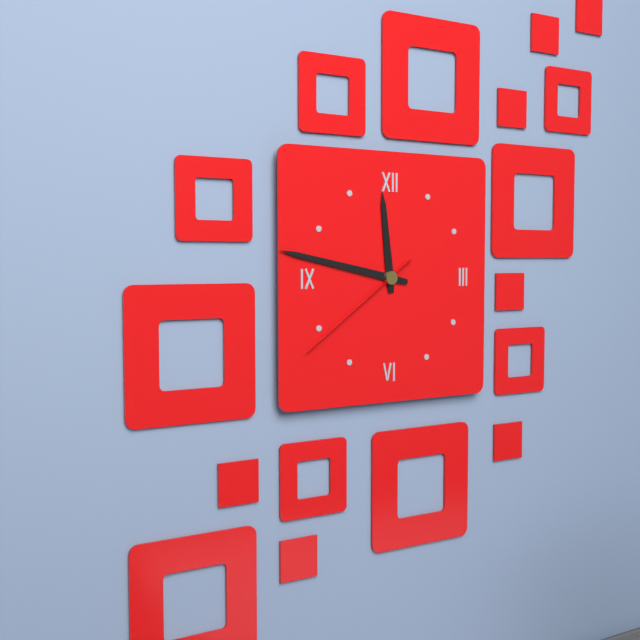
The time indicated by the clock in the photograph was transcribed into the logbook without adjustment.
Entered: 11:47:39
